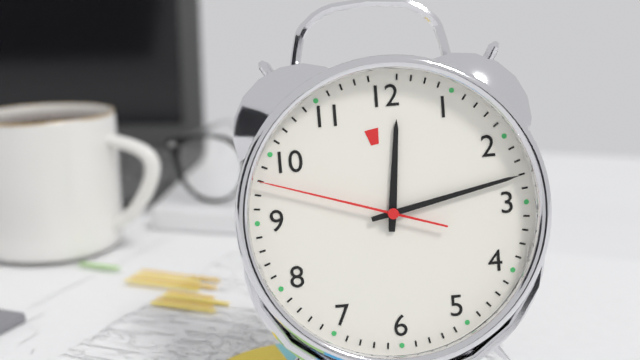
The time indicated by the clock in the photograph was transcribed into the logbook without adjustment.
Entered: 12:13:48
